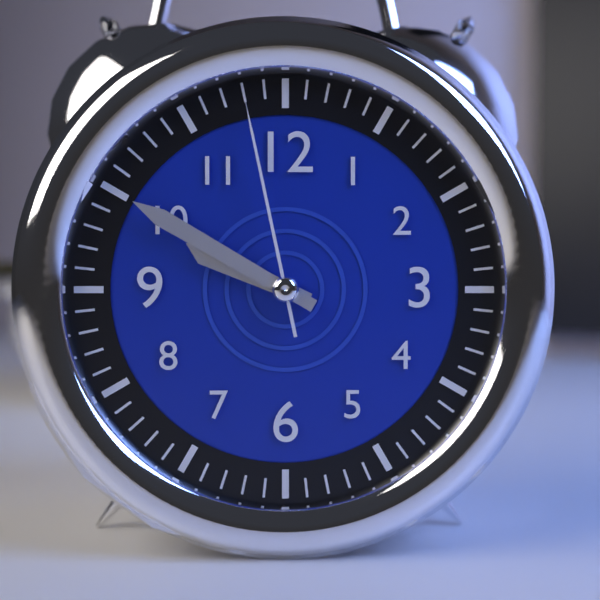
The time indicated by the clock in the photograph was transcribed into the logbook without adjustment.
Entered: 9:50:58
